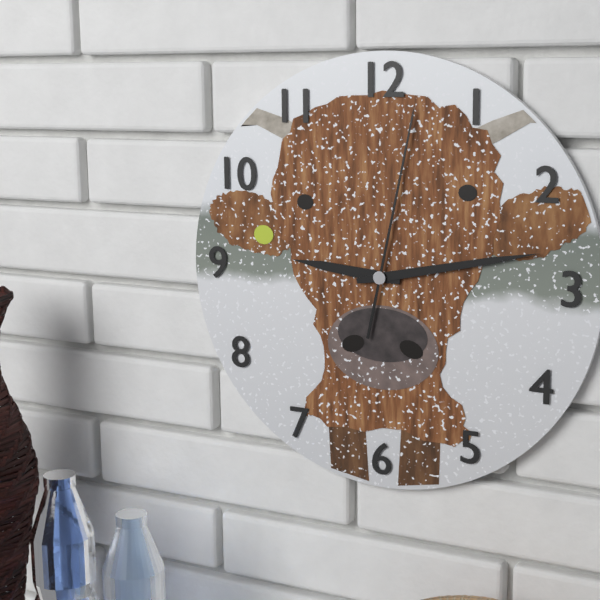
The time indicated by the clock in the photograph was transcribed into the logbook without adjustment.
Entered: 9:13:02
